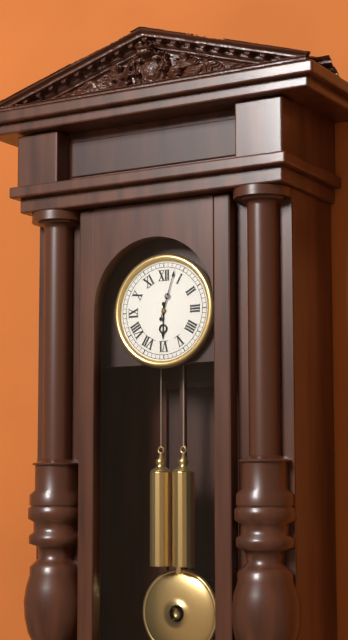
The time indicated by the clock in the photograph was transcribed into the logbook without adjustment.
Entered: 6:03
